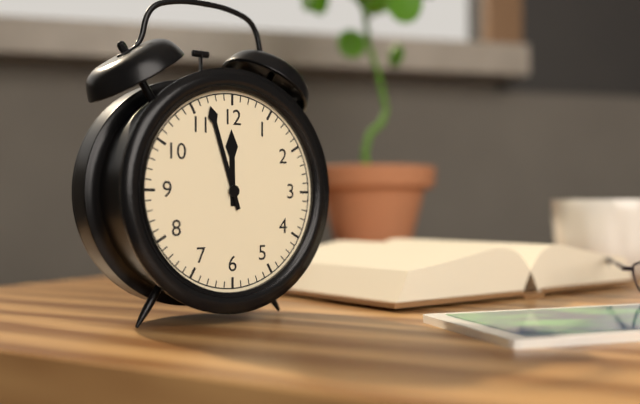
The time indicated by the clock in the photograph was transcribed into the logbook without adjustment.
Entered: 11:57
